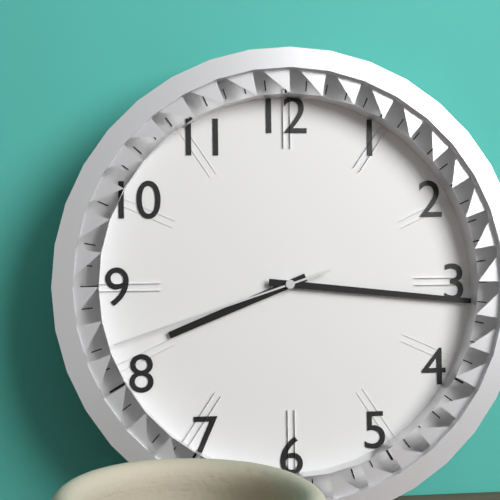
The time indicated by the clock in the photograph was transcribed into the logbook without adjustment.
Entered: 8:16:42
